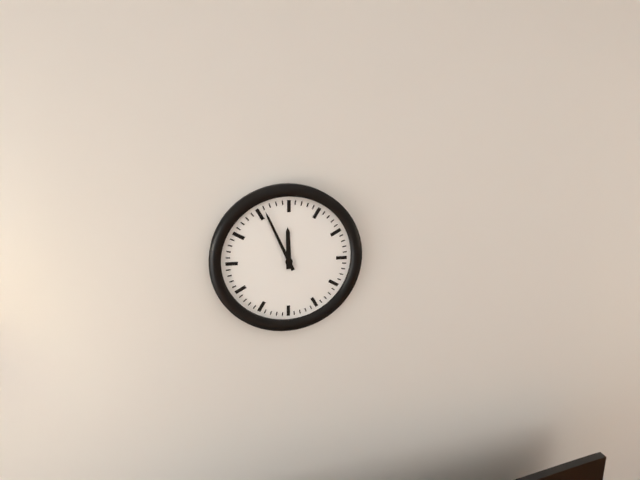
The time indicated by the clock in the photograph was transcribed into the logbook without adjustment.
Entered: 11:56
